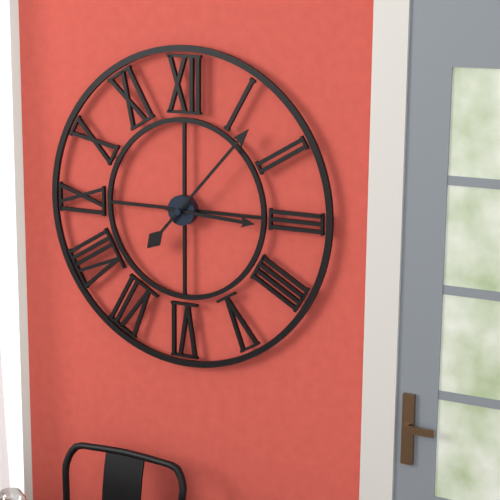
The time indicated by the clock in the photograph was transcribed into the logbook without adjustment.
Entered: 3:07
